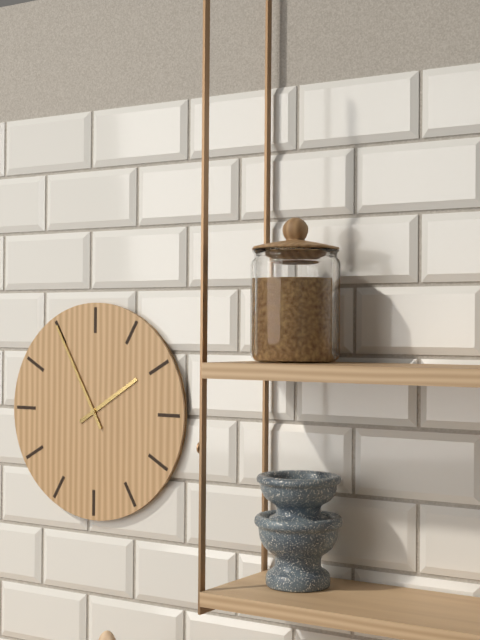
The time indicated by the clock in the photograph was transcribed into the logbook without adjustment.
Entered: 1:55
